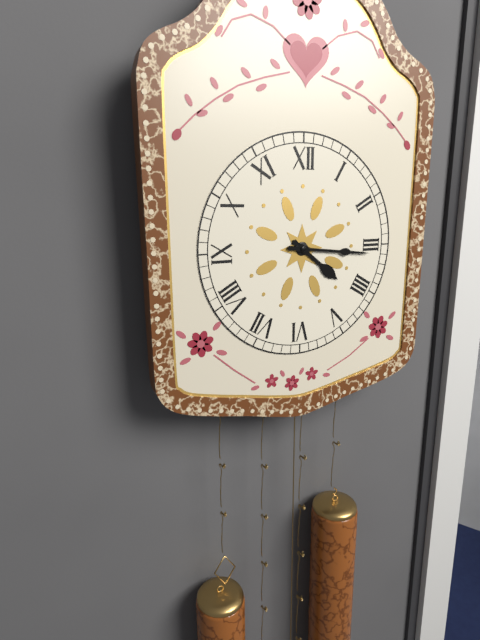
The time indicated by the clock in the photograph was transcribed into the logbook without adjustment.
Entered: 4:16
